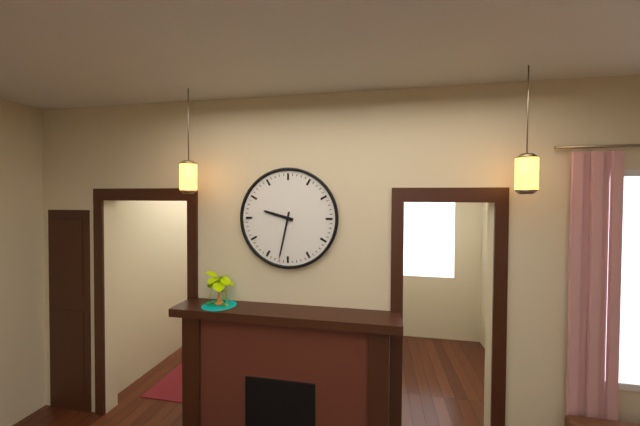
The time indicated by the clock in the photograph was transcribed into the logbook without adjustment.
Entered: 9:32
